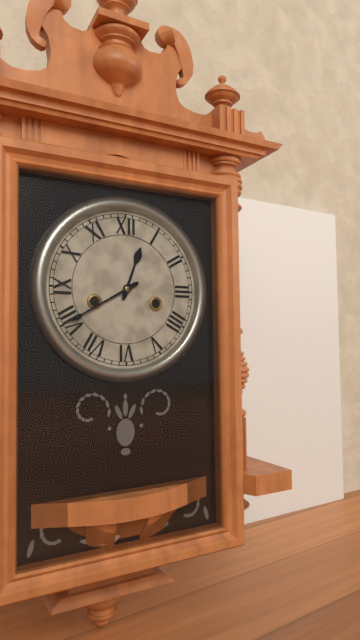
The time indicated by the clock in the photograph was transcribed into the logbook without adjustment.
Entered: 12:40
